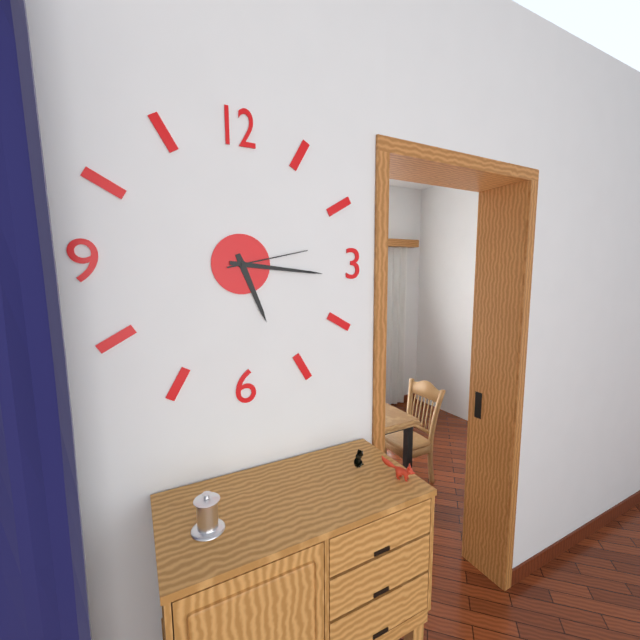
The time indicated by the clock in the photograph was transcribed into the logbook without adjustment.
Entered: 5:16:13
